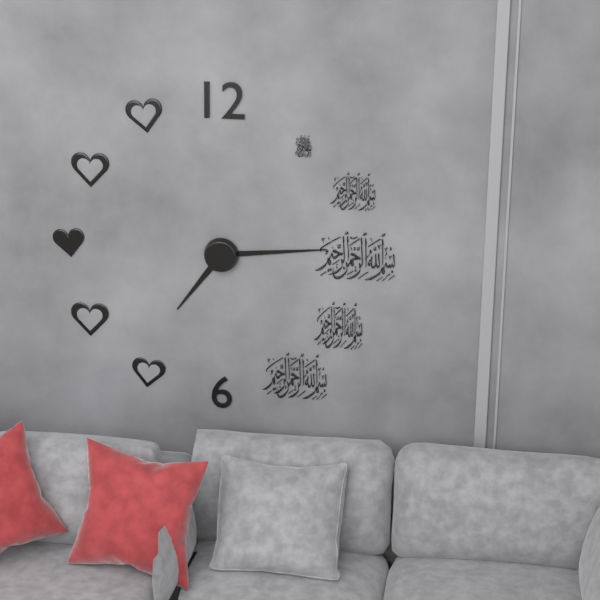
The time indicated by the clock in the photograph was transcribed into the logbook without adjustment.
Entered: 7:14
